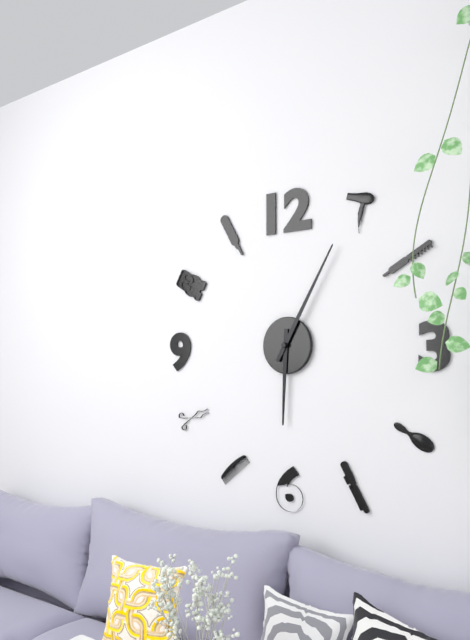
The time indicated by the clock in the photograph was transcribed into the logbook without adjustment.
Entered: 6:05
